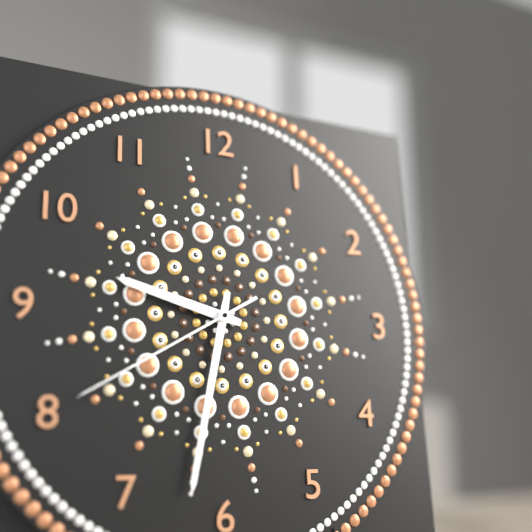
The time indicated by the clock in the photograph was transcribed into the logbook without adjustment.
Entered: 9:32:40
